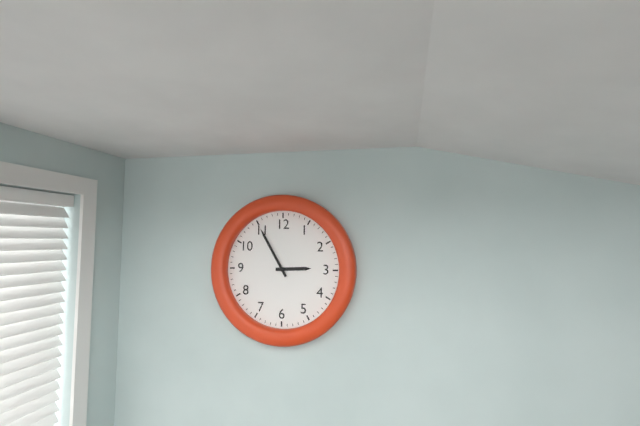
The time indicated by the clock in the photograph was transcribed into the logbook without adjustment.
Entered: 2:55
